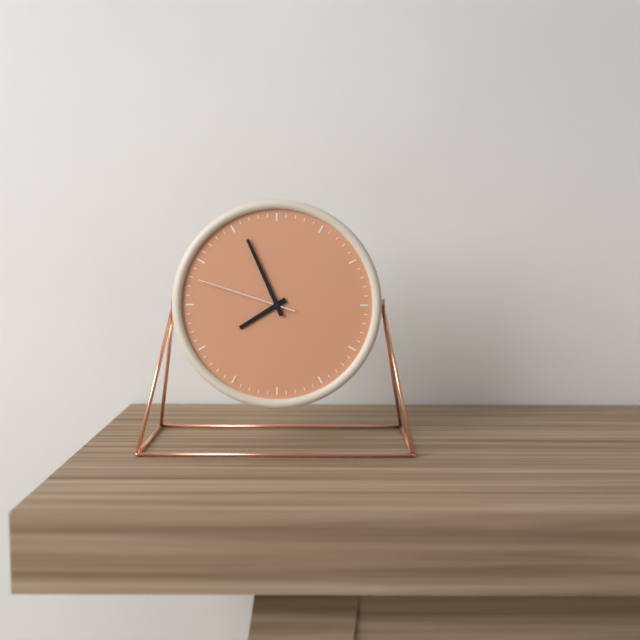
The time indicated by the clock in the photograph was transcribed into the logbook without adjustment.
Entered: 7:56:48
